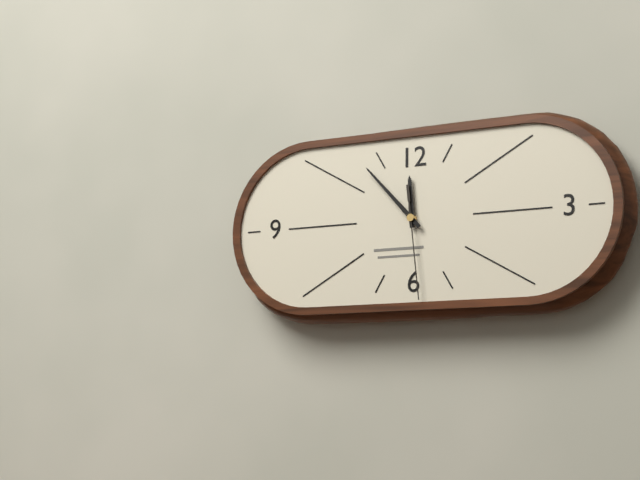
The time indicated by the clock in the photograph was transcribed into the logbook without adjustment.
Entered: 11:53:29
